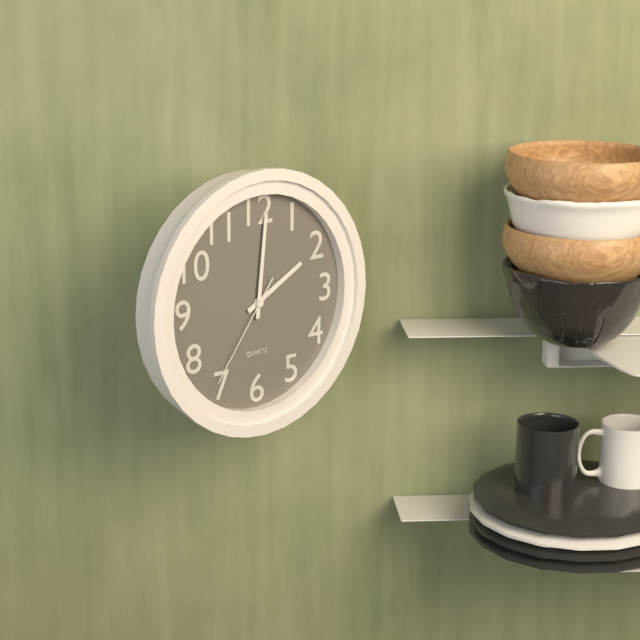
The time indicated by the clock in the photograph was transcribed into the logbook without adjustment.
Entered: 2:01:36
